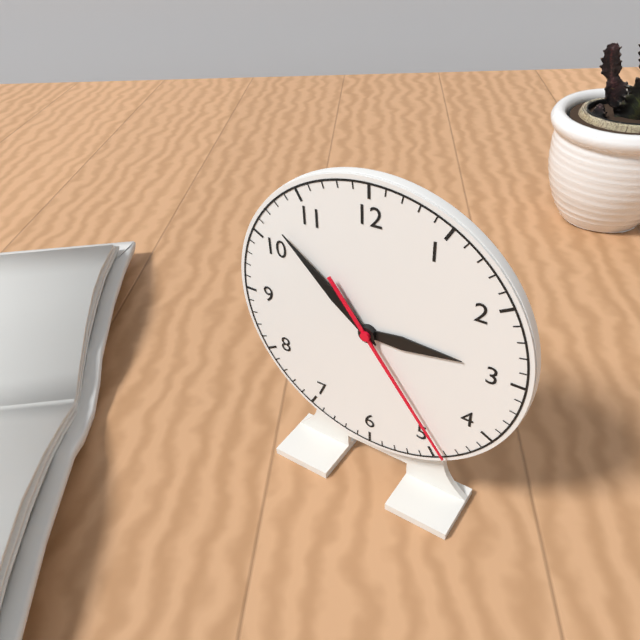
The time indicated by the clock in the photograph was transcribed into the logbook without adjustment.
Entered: 2:52:24
